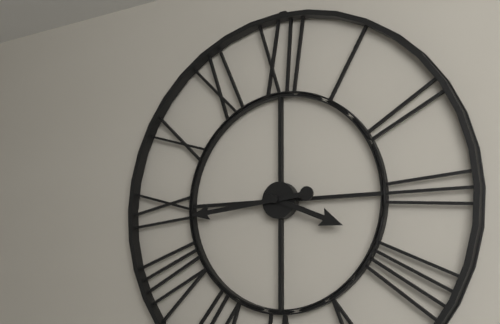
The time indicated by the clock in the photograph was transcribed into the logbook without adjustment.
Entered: 3:44
